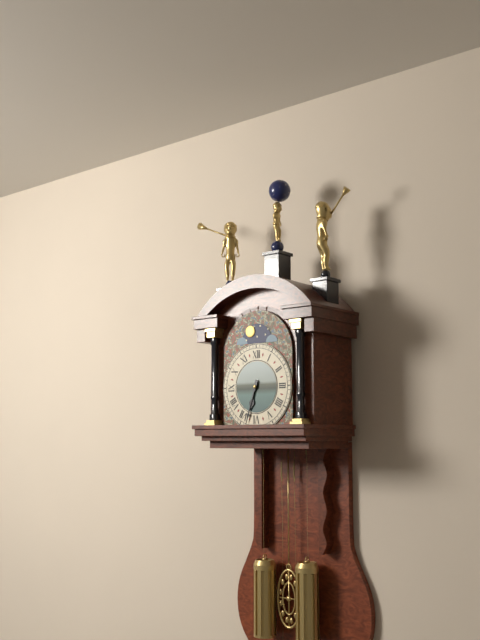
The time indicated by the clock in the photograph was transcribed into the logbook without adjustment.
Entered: 6:33
